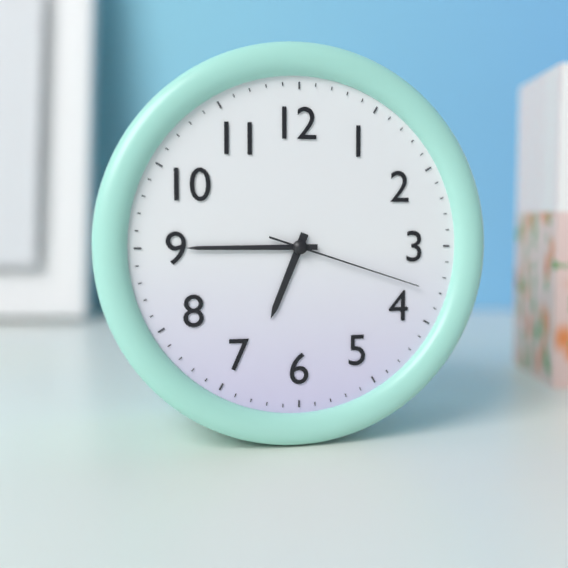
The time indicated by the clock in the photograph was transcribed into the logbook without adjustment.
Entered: 6:45:18
